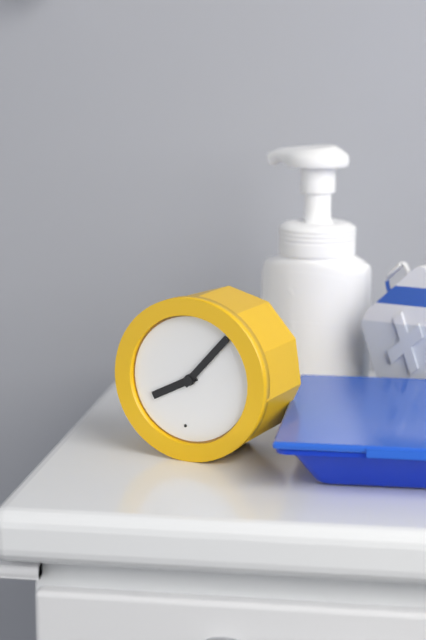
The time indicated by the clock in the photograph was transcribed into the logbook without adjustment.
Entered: 8:07
